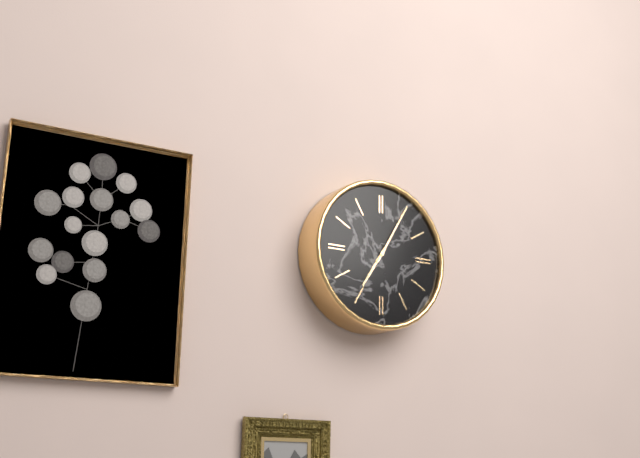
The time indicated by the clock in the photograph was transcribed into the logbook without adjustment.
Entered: 7:05
